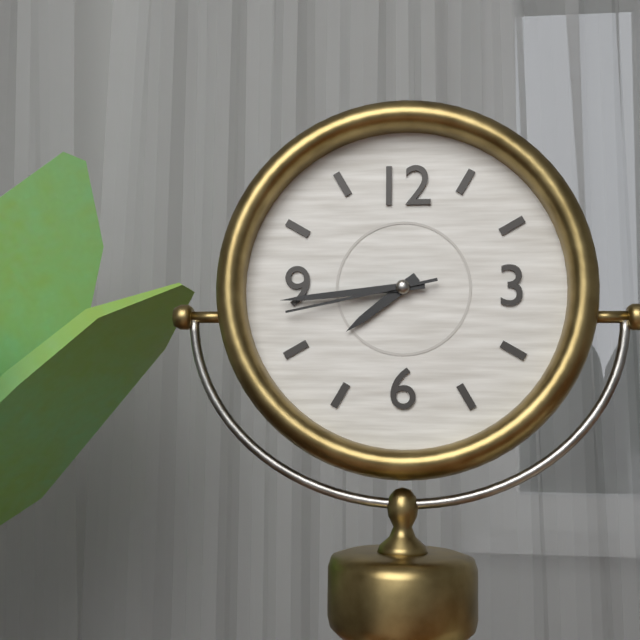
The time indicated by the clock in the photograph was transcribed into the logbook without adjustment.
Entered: 7:44:43
